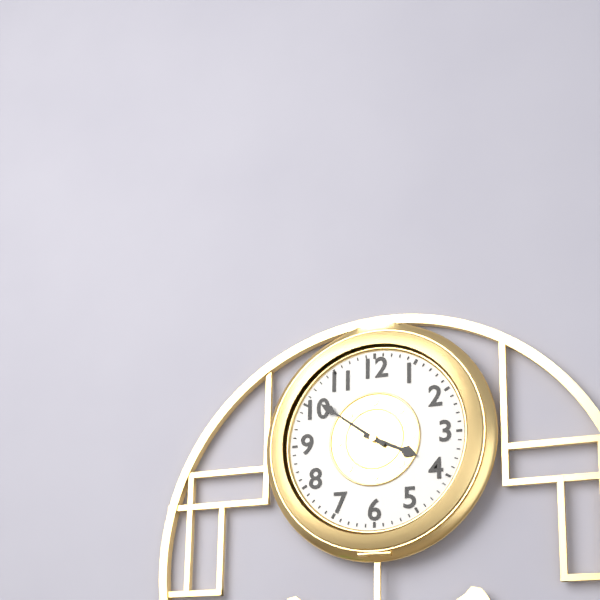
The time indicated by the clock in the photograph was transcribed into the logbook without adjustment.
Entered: 3:51
